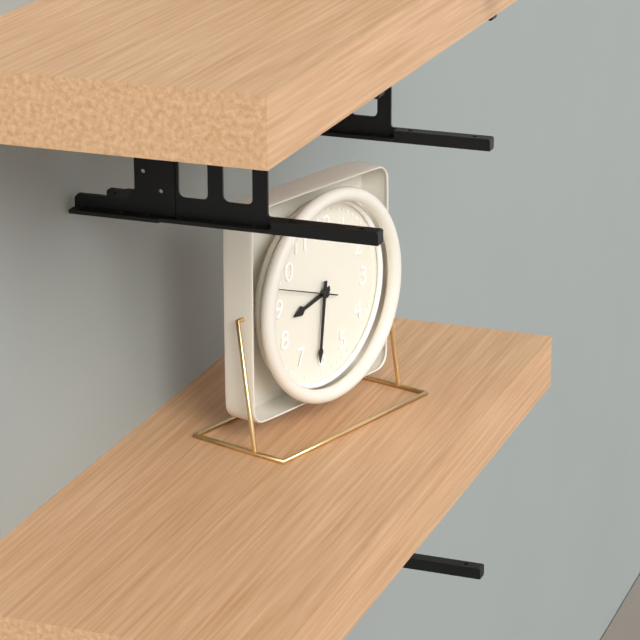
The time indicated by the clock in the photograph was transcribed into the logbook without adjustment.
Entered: 8:31:48
